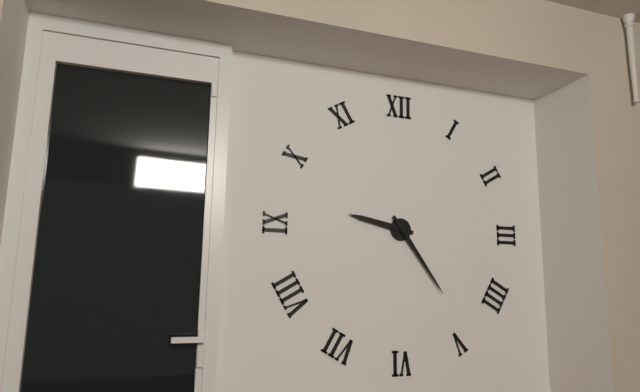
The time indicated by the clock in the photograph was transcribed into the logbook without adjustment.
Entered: 9:24
